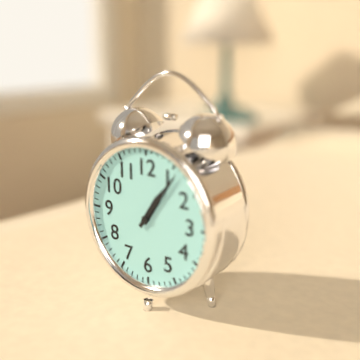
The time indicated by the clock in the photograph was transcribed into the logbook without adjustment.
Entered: 1:06
